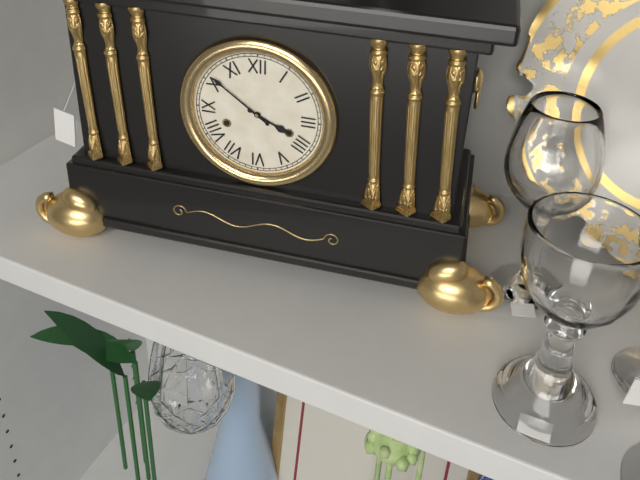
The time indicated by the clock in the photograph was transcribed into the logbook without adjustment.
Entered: 3:51
